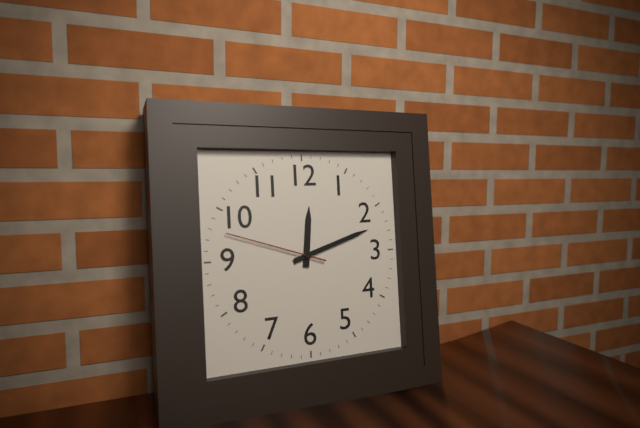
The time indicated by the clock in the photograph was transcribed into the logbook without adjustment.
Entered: 12:12:48
